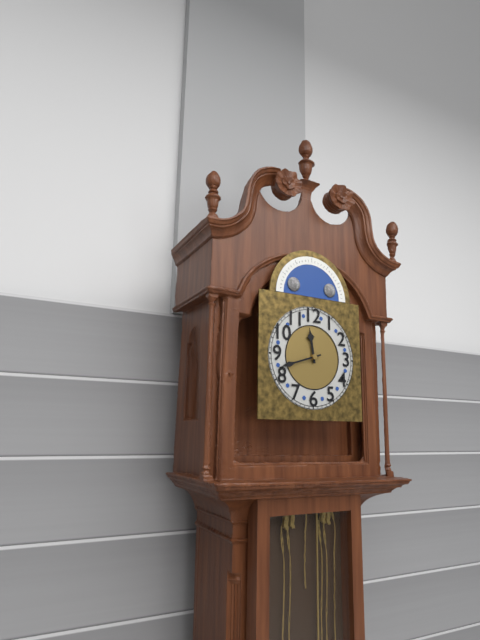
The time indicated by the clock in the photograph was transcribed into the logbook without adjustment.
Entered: 11:42
